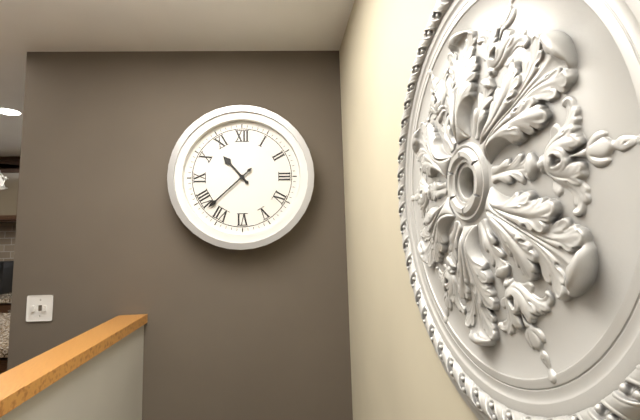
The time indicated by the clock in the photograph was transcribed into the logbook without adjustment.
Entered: 10:38
